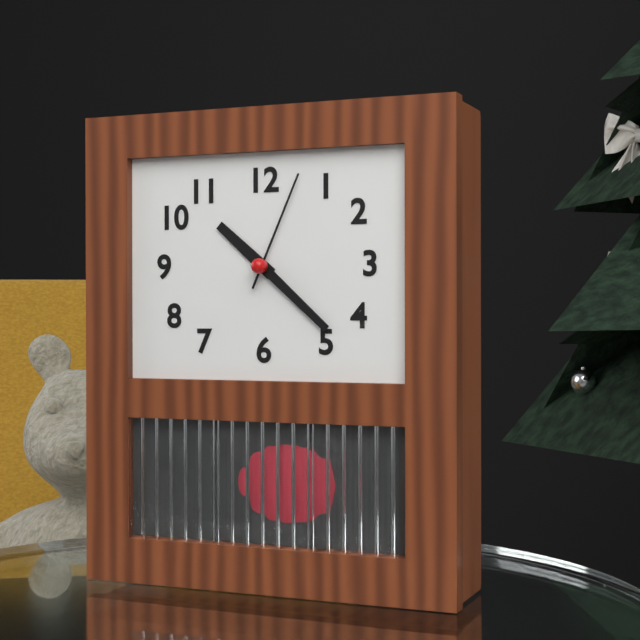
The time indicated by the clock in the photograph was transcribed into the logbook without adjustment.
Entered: 10:22:04
